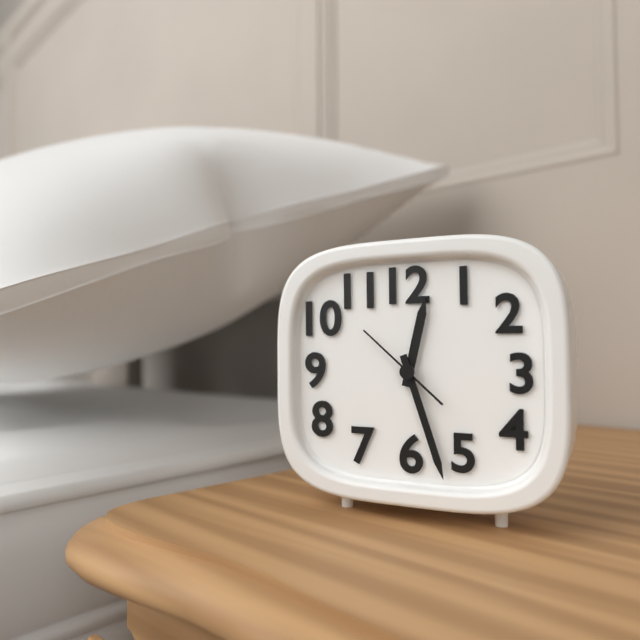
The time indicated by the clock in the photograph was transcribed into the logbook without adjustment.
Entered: 12:27:52
